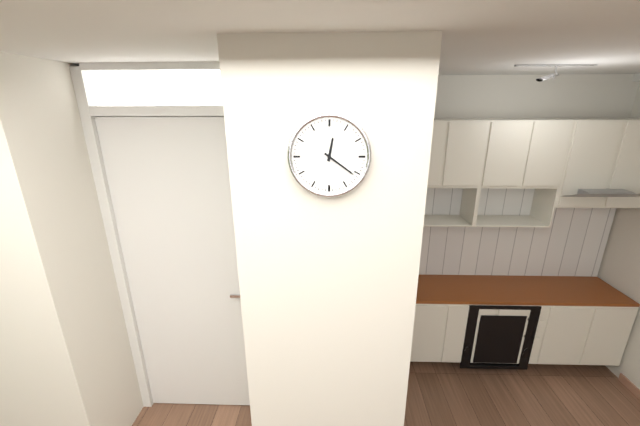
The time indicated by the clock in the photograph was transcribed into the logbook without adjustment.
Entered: 12:21
